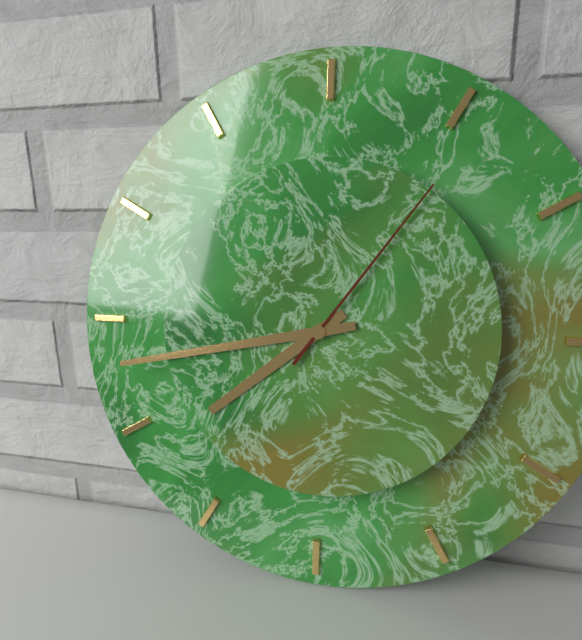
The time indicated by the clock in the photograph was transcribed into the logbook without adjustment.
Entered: 7:43:06
